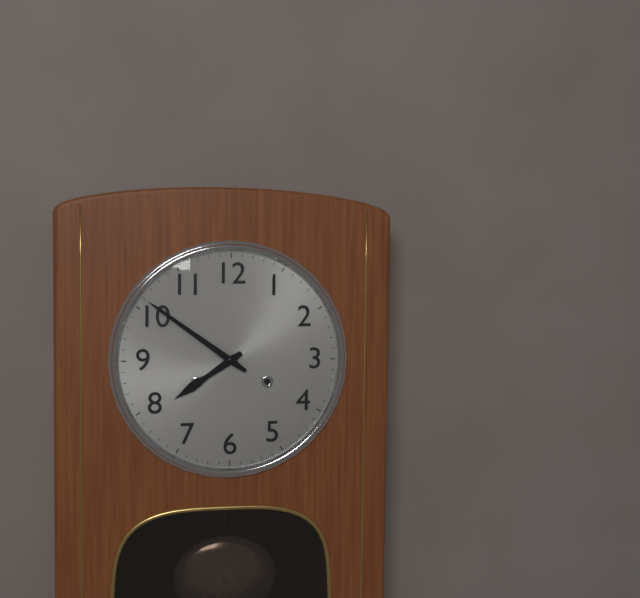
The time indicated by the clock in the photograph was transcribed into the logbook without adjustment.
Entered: 7:51
